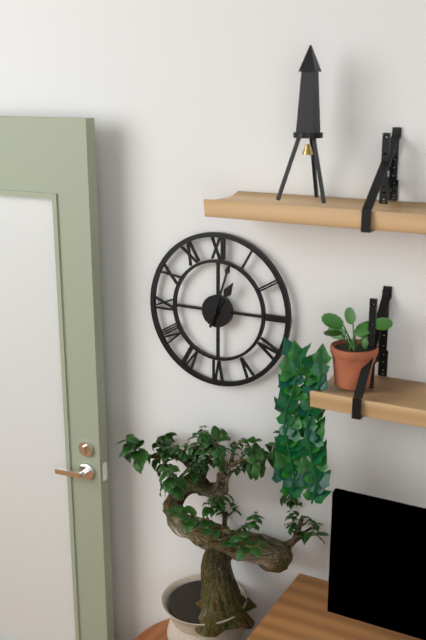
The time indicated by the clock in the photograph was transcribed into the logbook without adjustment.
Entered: 1:03
